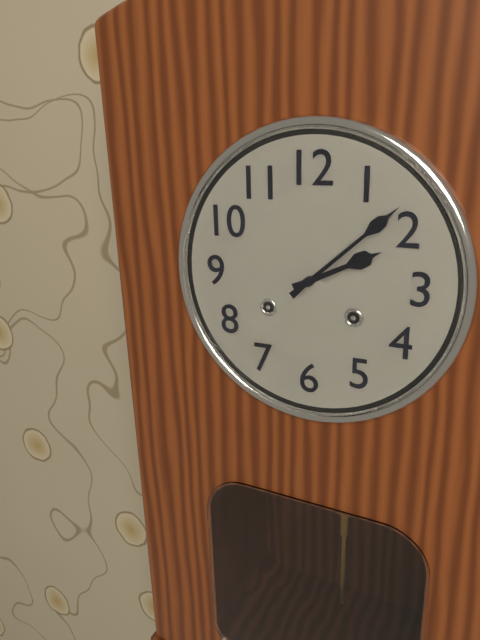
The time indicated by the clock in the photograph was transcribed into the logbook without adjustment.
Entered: 2:08
